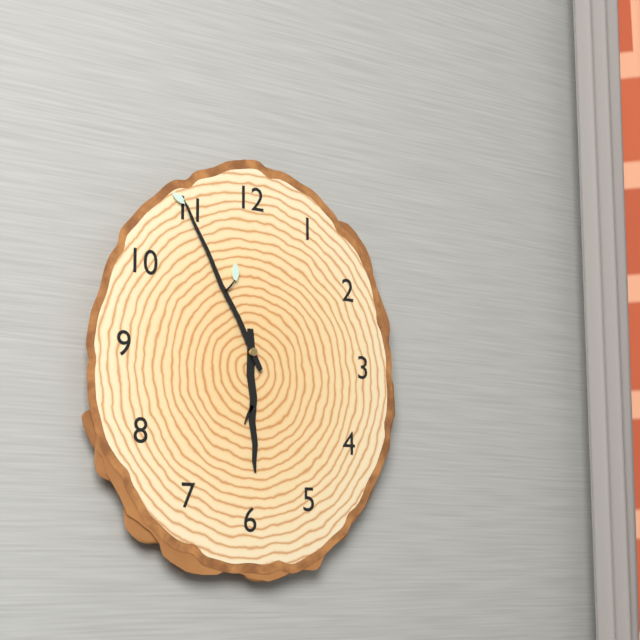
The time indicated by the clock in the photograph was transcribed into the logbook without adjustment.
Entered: 5:55
